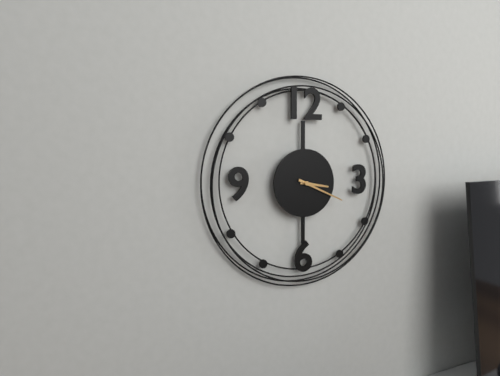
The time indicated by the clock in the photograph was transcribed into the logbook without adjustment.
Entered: 3:19
